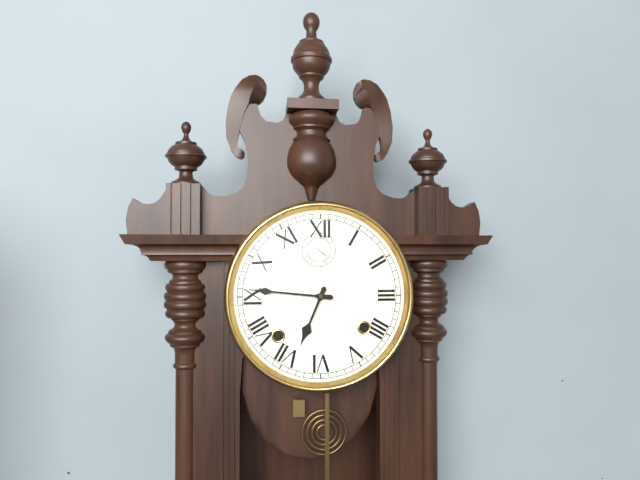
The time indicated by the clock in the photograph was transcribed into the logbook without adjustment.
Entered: 6:46
